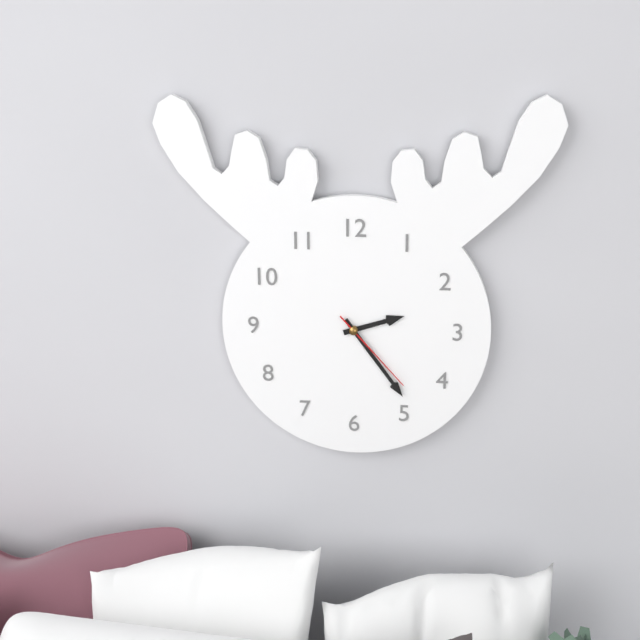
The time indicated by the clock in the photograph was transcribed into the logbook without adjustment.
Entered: 2:24:23
